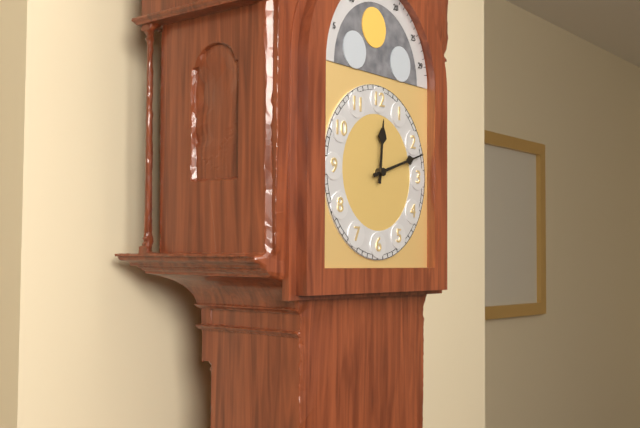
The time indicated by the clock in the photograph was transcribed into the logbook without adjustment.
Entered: 12:12
